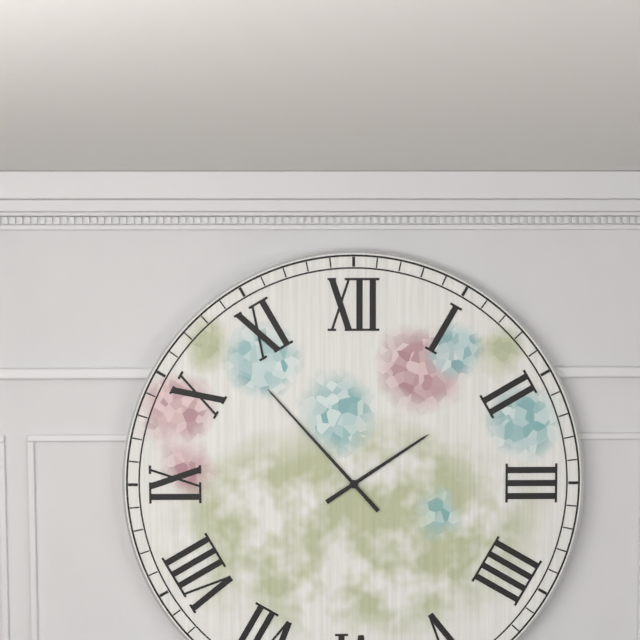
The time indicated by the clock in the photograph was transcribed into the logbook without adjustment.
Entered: 1:53
